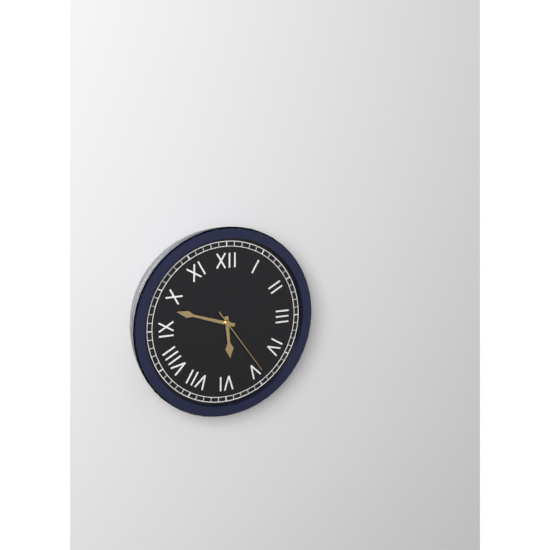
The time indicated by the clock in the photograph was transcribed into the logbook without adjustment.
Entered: 5:48:24
